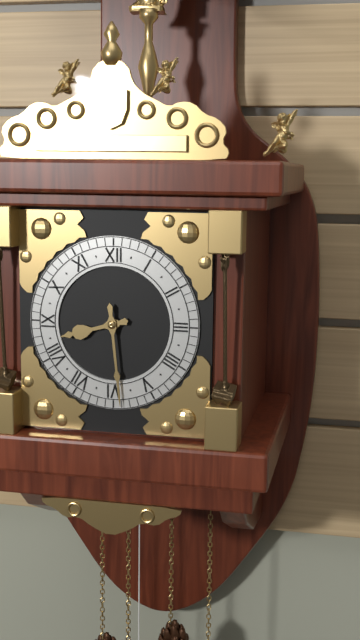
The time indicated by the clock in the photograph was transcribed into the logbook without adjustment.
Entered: 8:29
